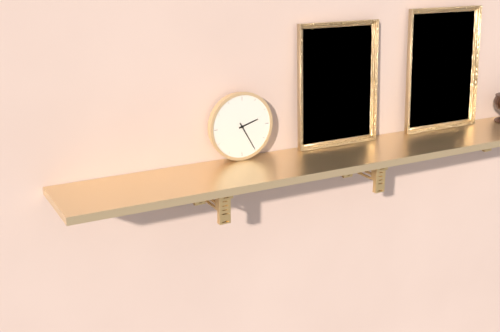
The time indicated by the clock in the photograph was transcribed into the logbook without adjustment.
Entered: 2:25
